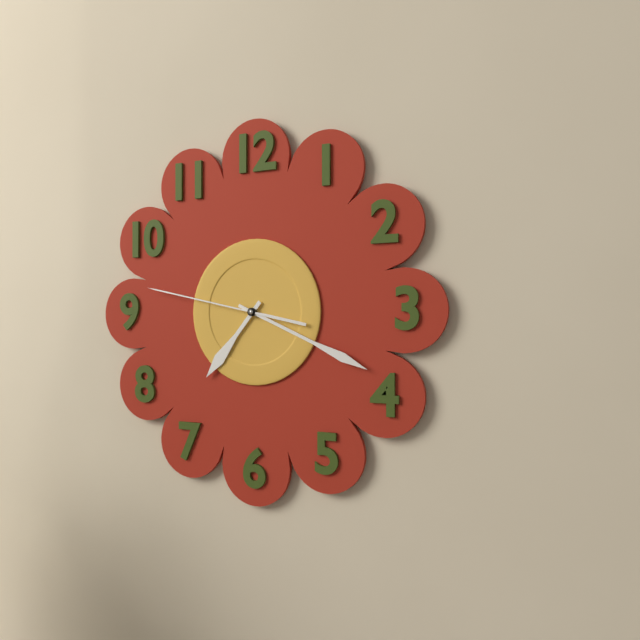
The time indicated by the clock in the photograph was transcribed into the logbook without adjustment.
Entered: 7:19:47
